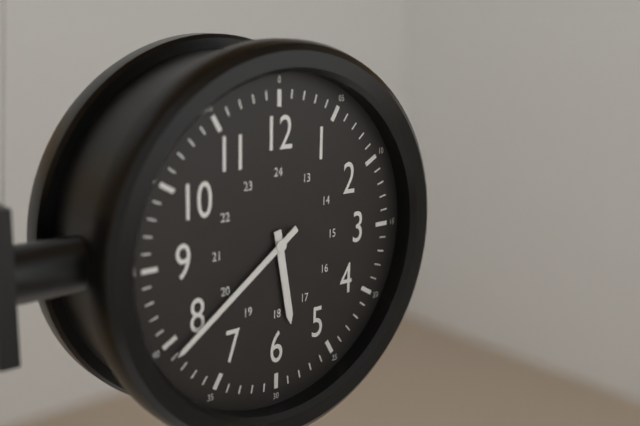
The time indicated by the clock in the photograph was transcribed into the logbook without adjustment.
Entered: 5:39
